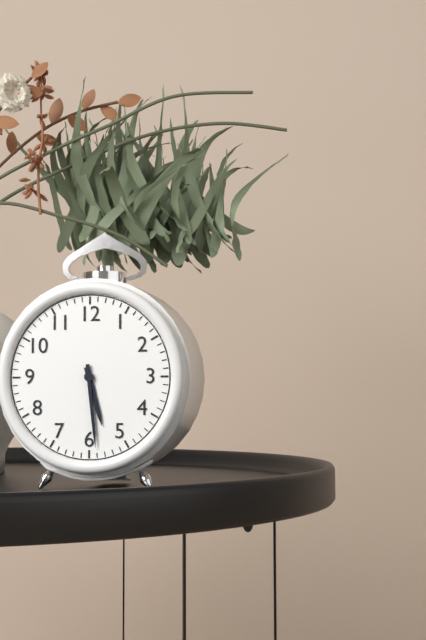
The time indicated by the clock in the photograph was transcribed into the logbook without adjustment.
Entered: 5:29
